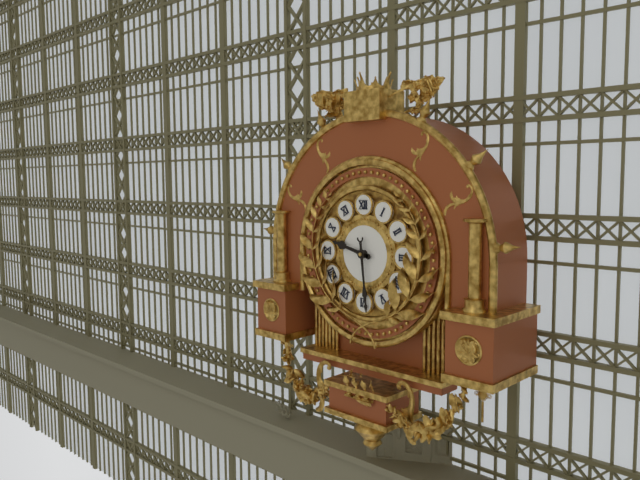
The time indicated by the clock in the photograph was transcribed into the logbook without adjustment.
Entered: 9:29
